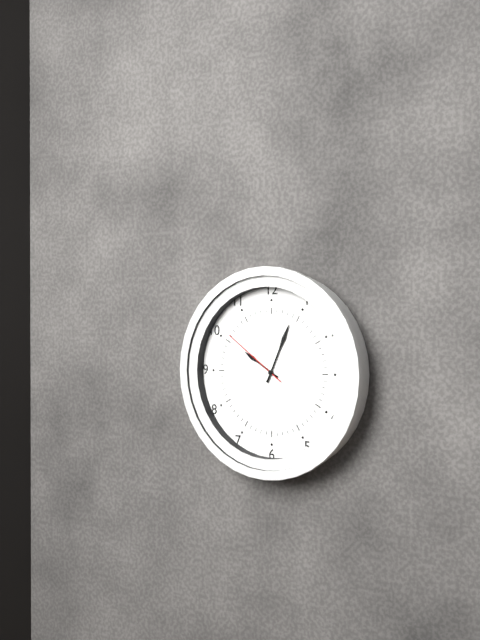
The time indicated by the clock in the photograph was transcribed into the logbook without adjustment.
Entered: 10:04:51
